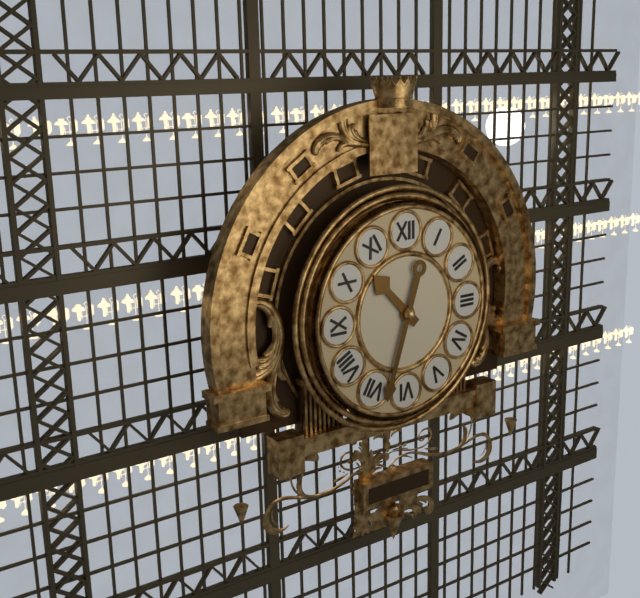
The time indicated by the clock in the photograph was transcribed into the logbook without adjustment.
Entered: 10:33
